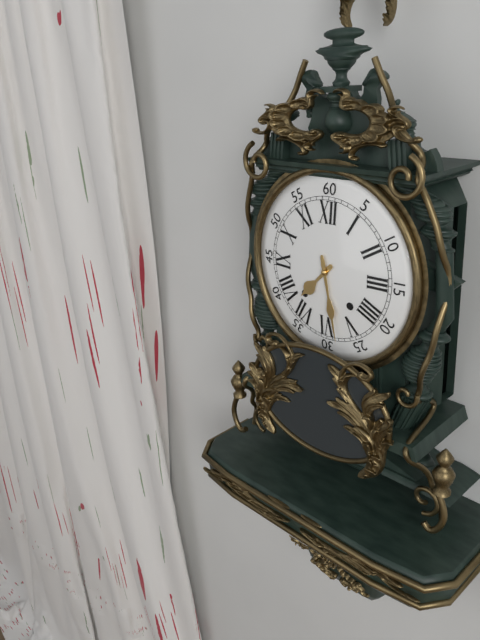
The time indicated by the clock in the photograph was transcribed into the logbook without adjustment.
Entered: 7:28
